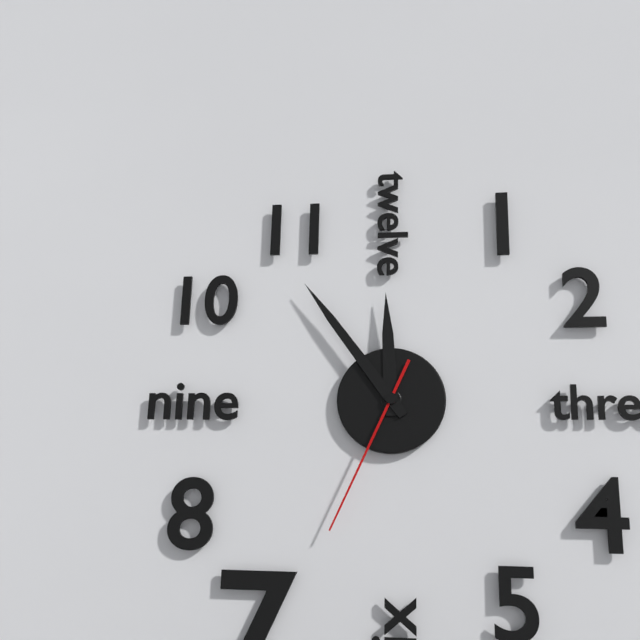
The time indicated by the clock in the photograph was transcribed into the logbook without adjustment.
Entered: 11:54:34
